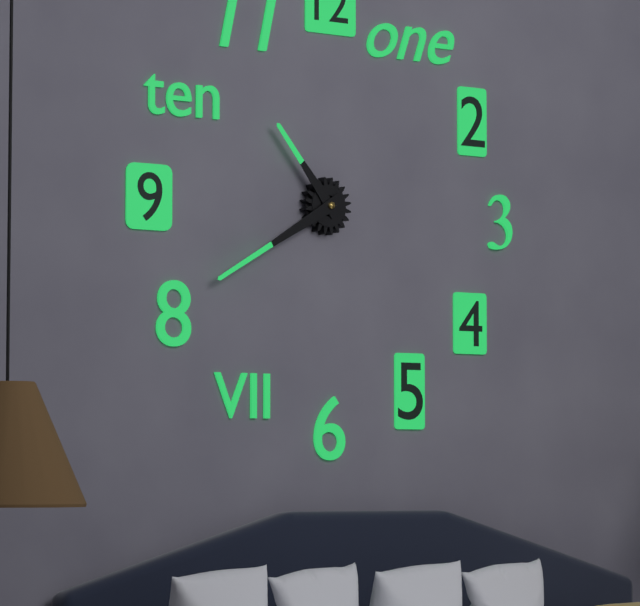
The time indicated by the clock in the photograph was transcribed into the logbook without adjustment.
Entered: 10:40
